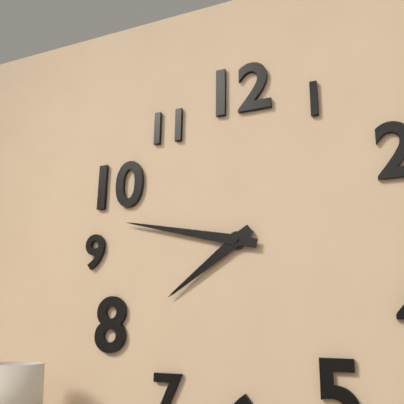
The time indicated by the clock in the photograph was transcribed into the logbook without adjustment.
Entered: 7:47
